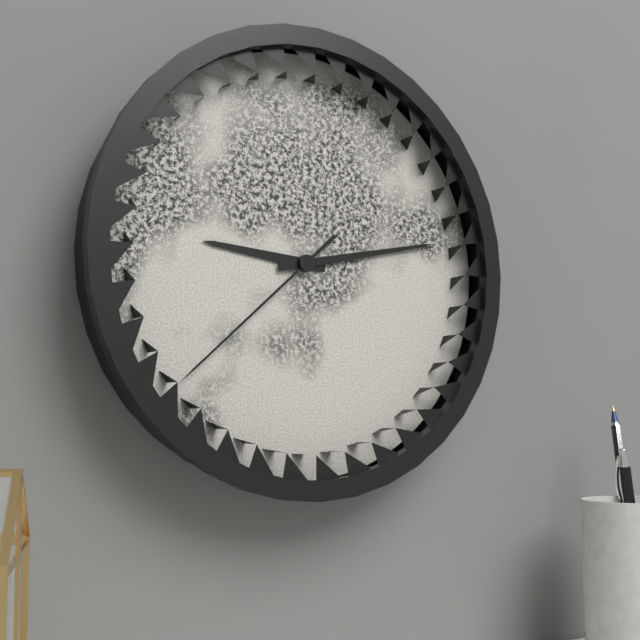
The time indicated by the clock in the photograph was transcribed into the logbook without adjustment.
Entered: 9:13:38
